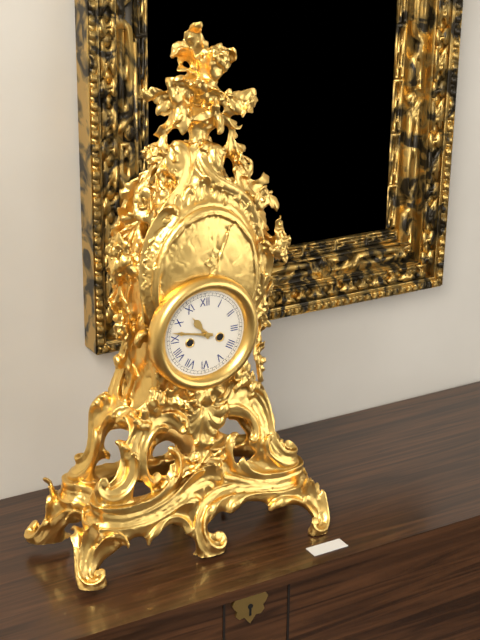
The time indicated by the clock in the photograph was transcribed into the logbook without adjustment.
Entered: 10:47
